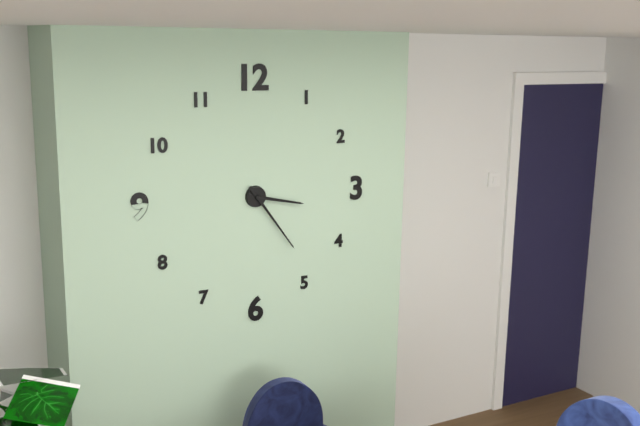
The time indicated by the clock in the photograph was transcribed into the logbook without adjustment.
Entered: 3:24
